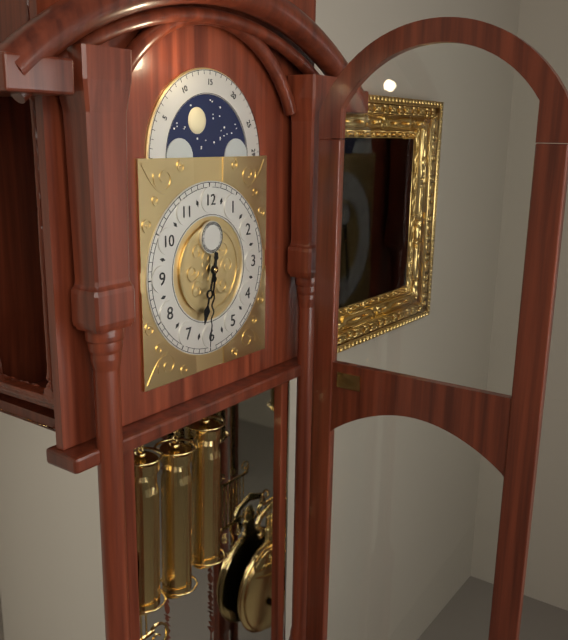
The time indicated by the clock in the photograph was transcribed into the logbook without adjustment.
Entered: 6:31
